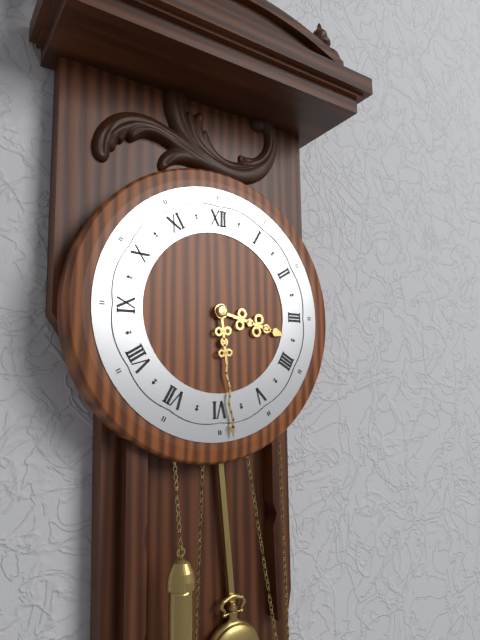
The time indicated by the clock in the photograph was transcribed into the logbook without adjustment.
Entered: 3:29
